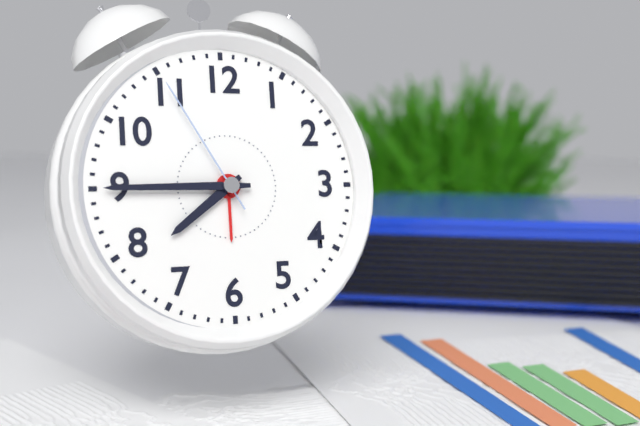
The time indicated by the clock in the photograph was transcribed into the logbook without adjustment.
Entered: 7:45:55
